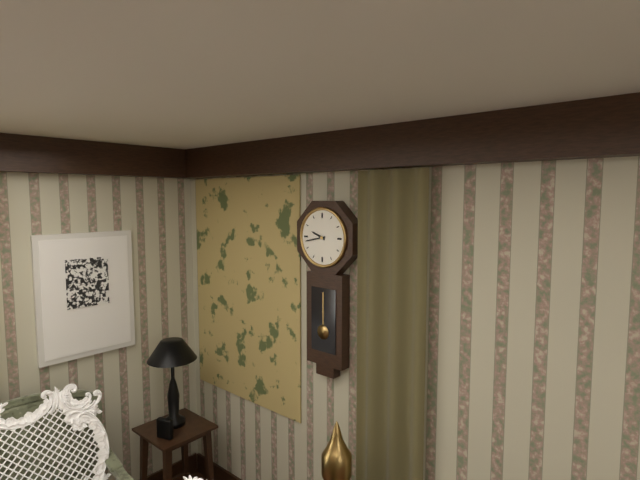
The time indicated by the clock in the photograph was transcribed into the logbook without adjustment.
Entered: 9:43
